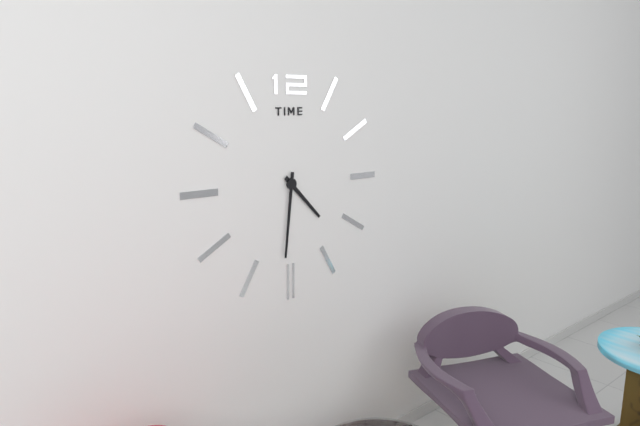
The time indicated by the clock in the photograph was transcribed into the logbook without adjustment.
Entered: 4:31
